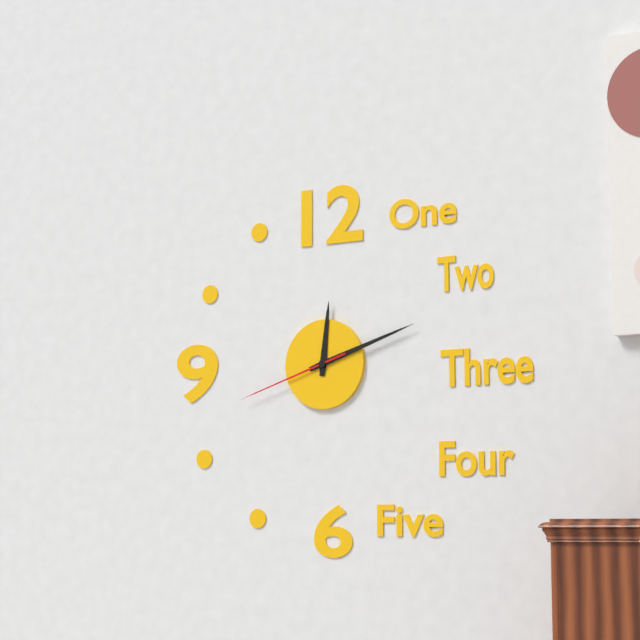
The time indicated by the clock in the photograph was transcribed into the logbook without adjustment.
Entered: 12:12:42
